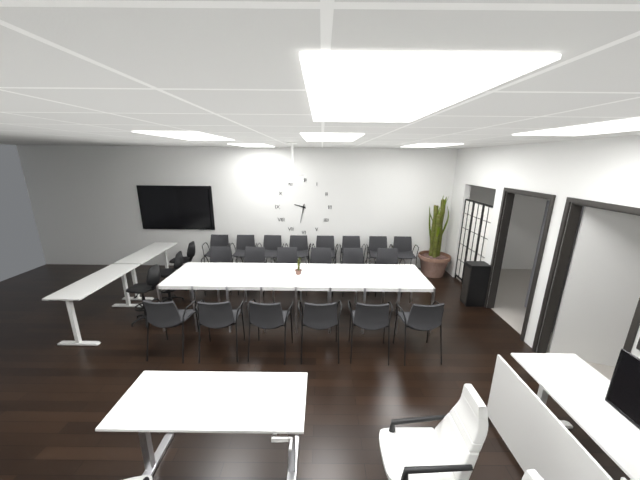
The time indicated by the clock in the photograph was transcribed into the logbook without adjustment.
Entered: 9:32
